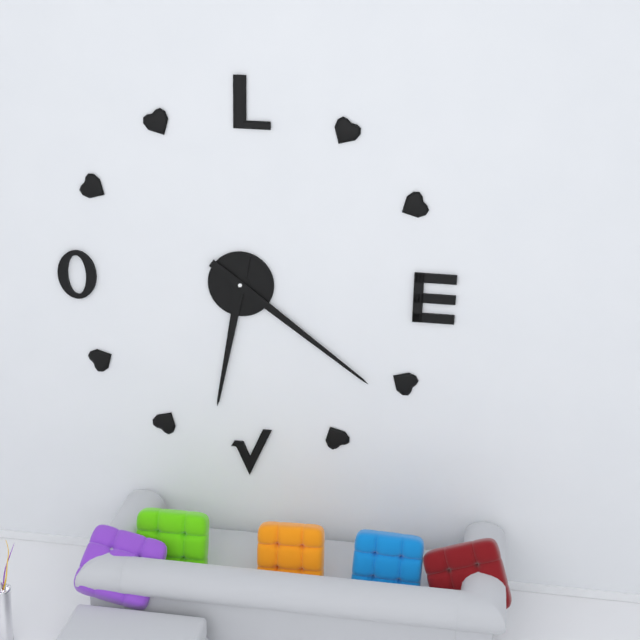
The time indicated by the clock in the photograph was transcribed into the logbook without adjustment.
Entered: 6:21
